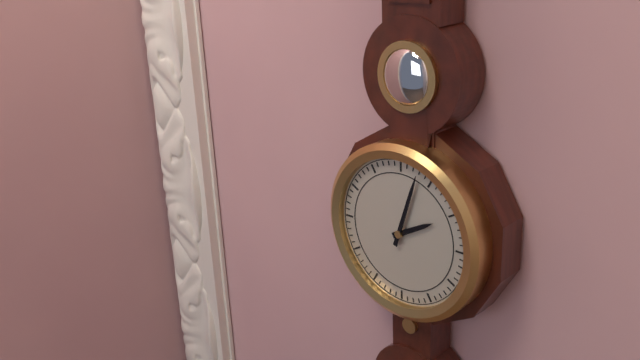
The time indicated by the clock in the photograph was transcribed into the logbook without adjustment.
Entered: 2:03
